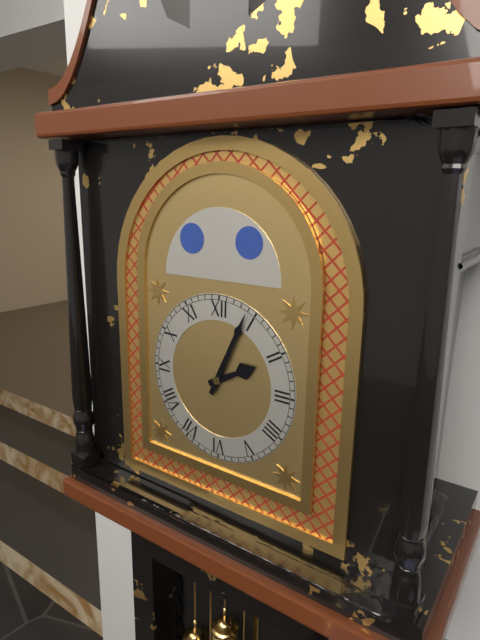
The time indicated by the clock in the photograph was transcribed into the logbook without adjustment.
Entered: 2:04
